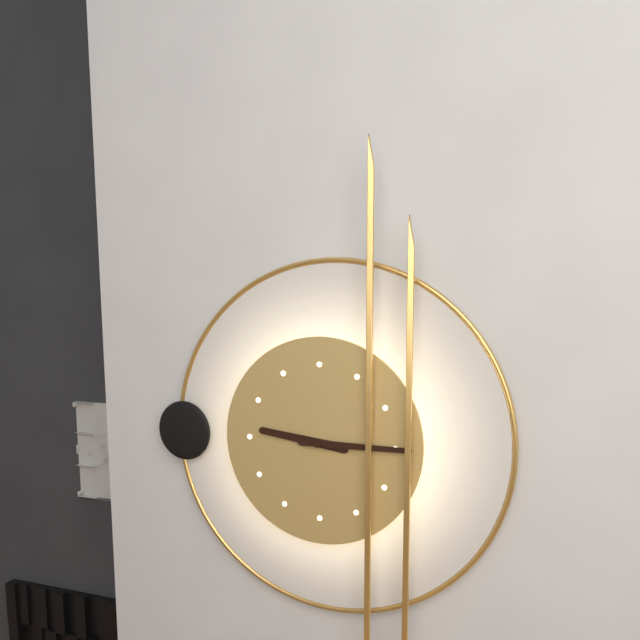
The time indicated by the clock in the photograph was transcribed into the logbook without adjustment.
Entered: 9:15
